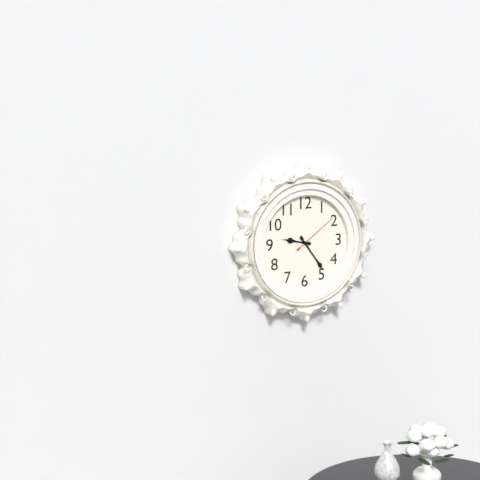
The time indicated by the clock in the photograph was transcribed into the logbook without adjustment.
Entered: 9:24
